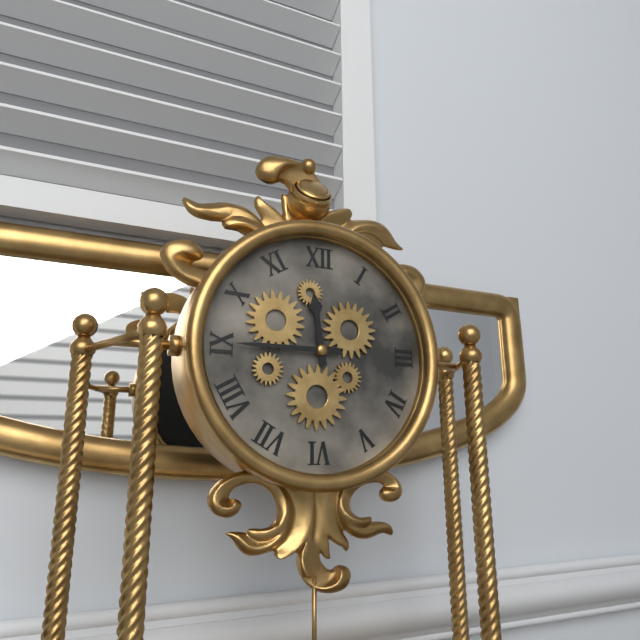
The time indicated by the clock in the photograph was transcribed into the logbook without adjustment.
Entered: 11:45
